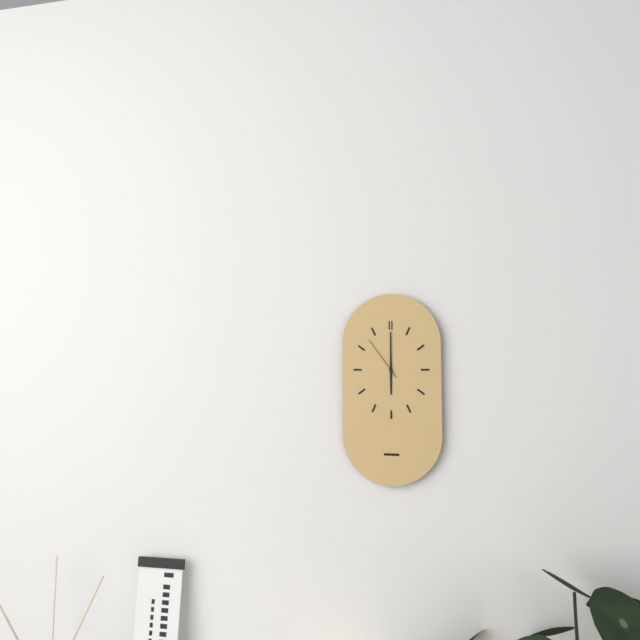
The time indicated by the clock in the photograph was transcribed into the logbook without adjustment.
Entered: 6:00
